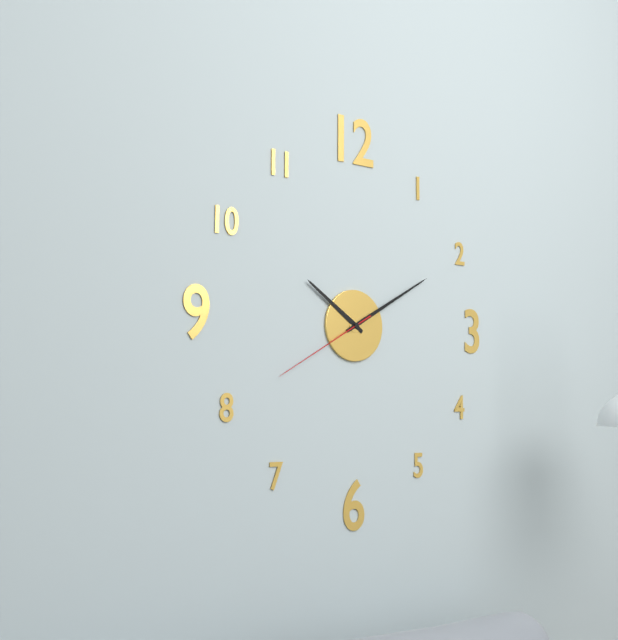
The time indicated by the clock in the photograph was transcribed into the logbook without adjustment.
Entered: 10:10:40
